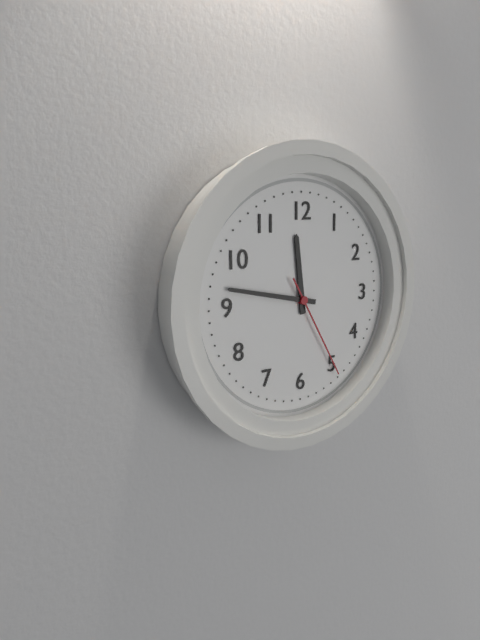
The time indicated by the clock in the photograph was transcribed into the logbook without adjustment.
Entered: 11:47:25
